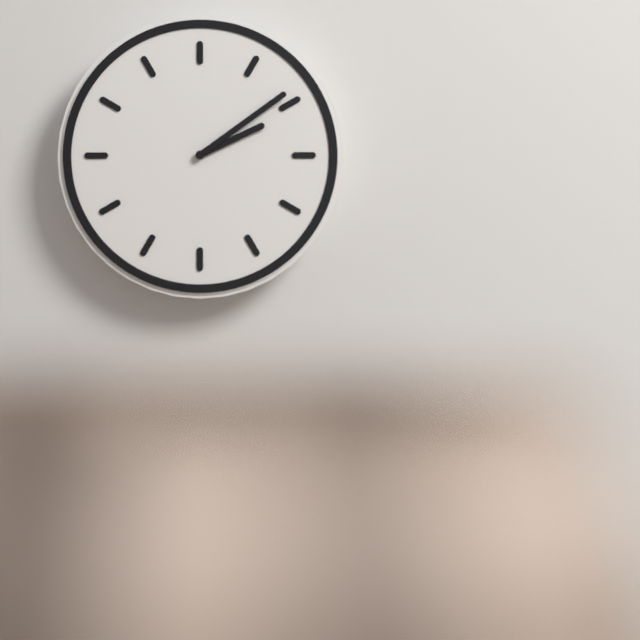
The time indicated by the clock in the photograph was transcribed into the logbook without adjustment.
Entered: 2:09
